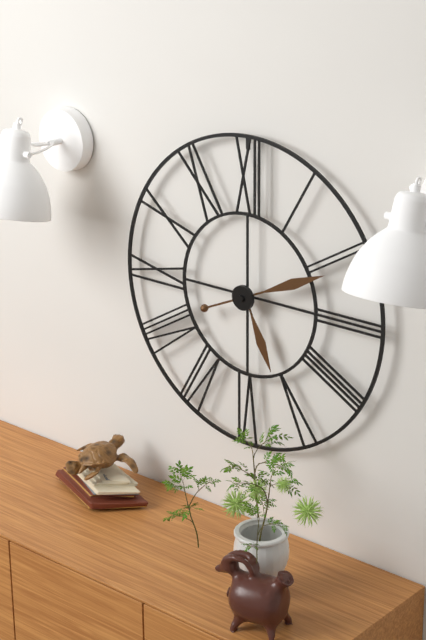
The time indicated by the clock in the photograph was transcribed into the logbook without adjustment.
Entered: 5:11
